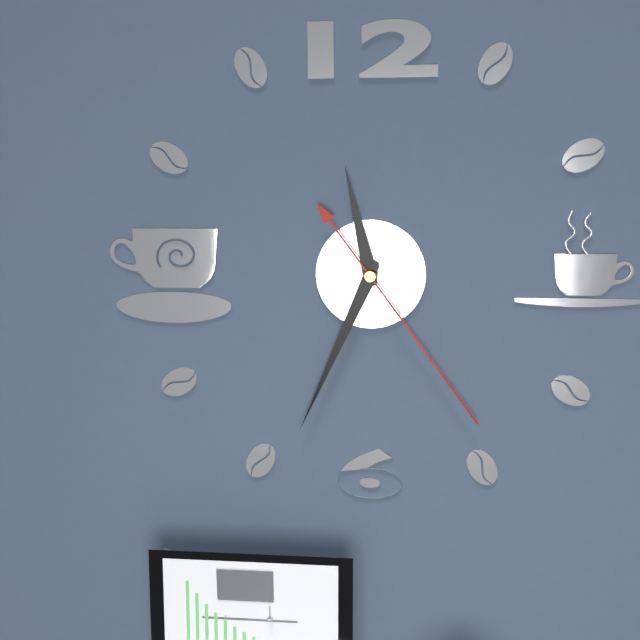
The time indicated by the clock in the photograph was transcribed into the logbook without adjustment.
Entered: 11:34:24
